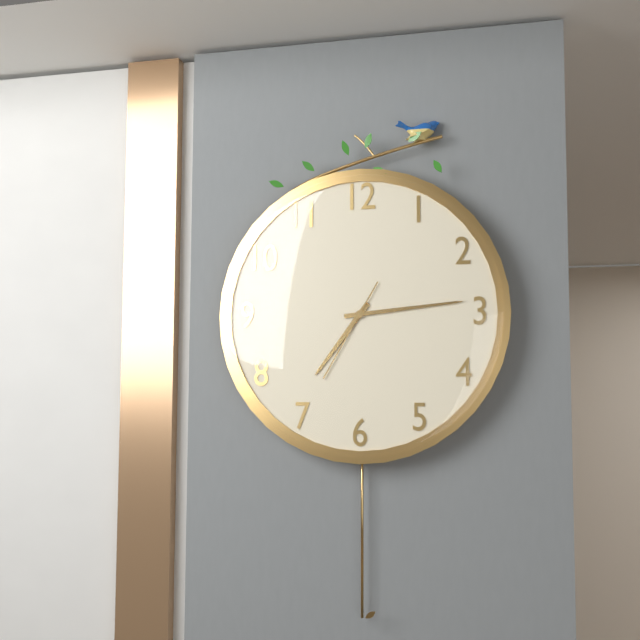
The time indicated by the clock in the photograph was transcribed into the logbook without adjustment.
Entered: 7:14:35
